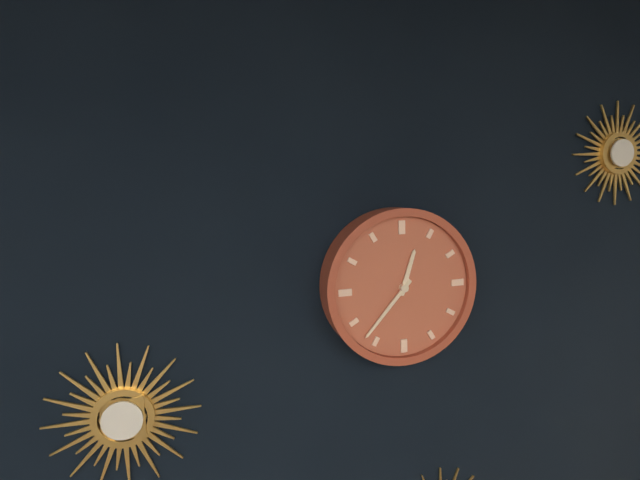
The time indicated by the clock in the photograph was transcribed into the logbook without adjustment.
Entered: 12:37
